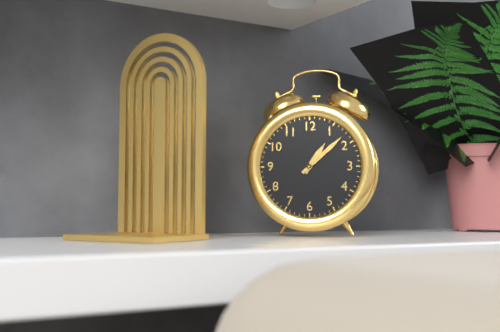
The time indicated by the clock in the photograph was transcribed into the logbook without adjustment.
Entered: 1:08
